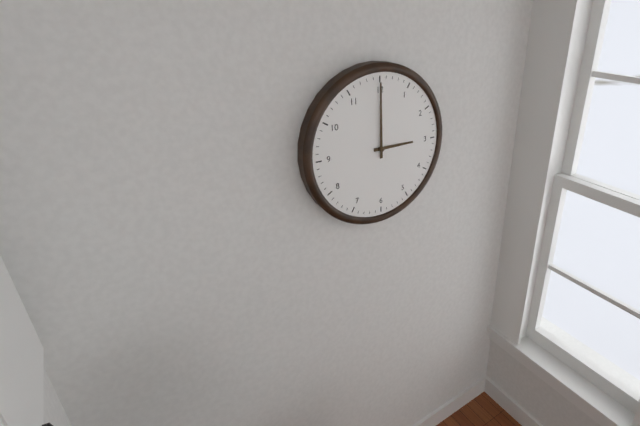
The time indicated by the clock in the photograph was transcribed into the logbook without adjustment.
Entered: 3:00
